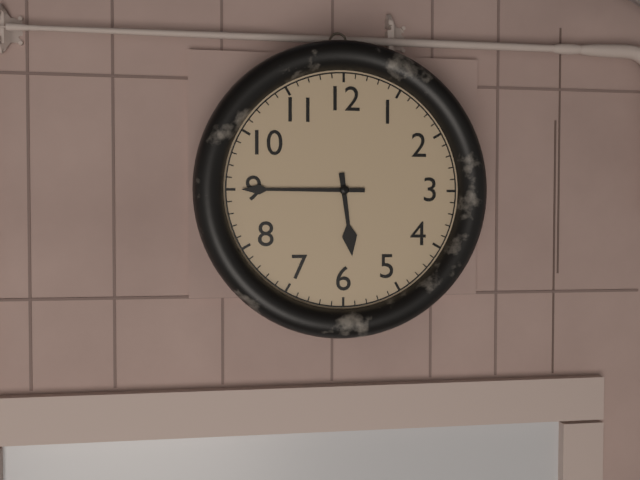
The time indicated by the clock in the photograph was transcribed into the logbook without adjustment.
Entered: 5:45
